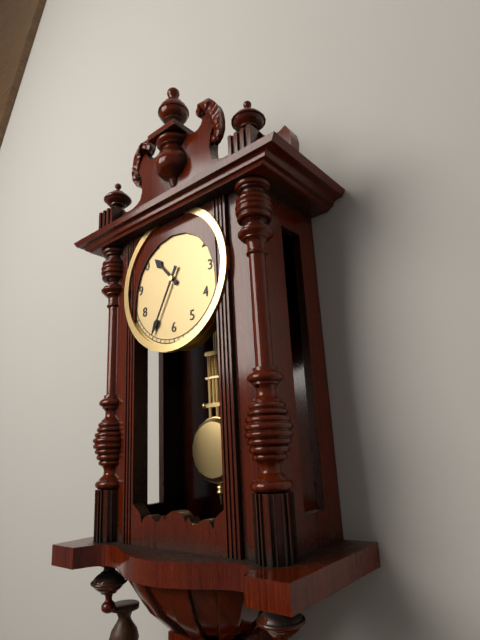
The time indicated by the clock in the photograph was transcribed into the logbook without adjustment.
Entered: 10:35
